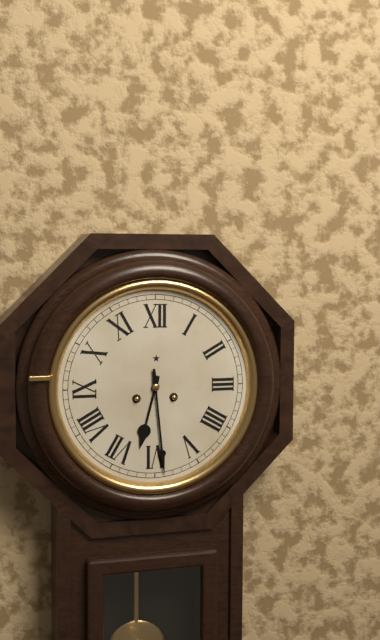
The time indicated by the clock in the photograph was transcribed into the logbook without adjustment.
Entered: 6:29
